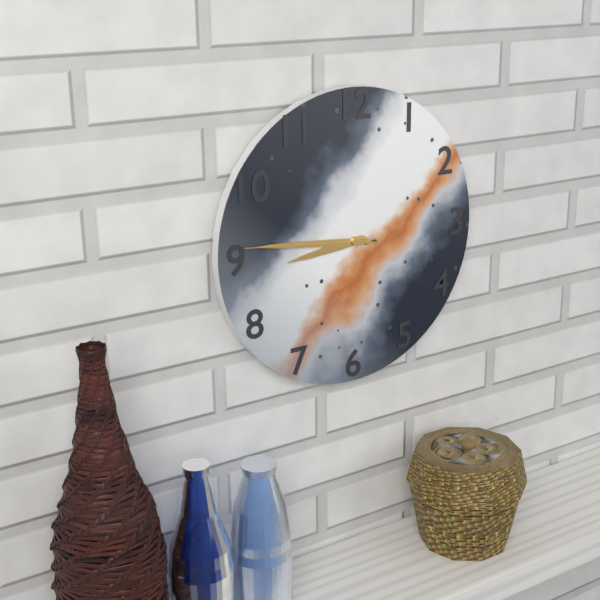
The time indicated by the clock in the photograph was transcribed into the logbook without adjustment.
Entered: 8:46:46
